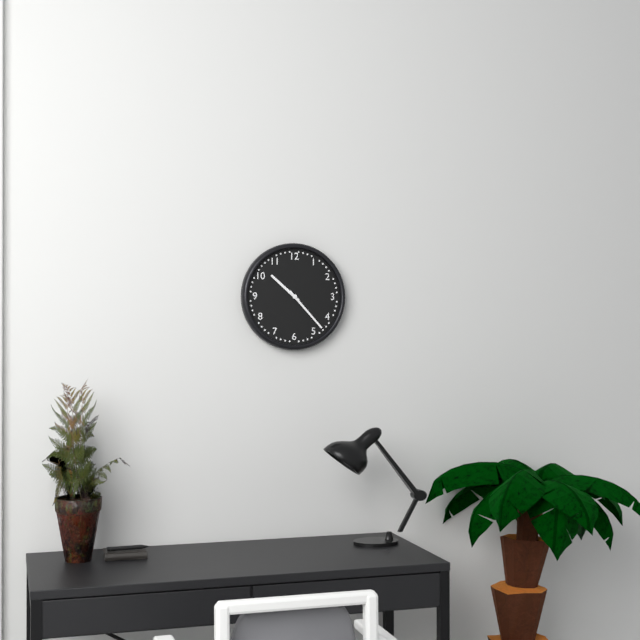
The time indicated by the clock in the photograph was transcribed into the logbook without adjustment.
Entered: 10:23
